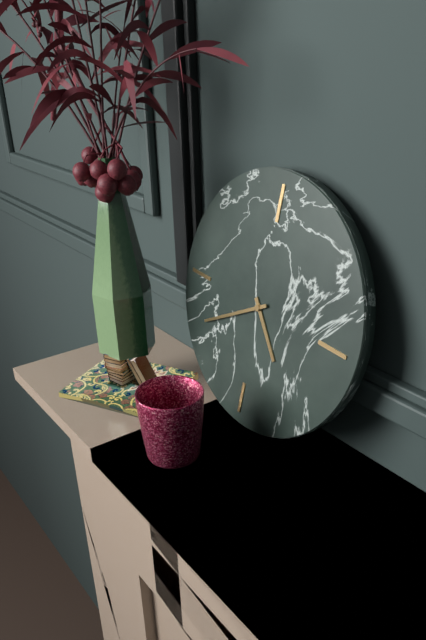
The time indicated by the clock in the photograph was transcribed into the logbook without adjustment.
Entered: 4:40
